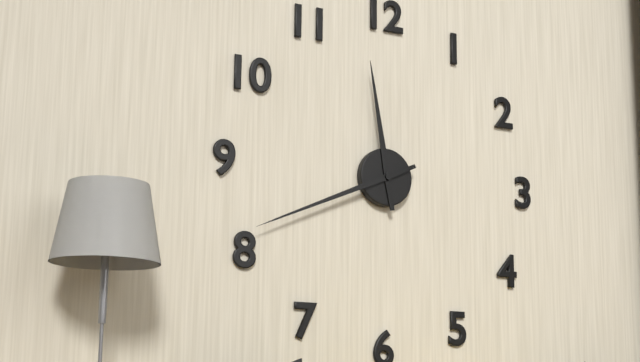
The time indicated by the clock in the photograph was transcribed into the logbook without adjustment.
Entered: 11:41
